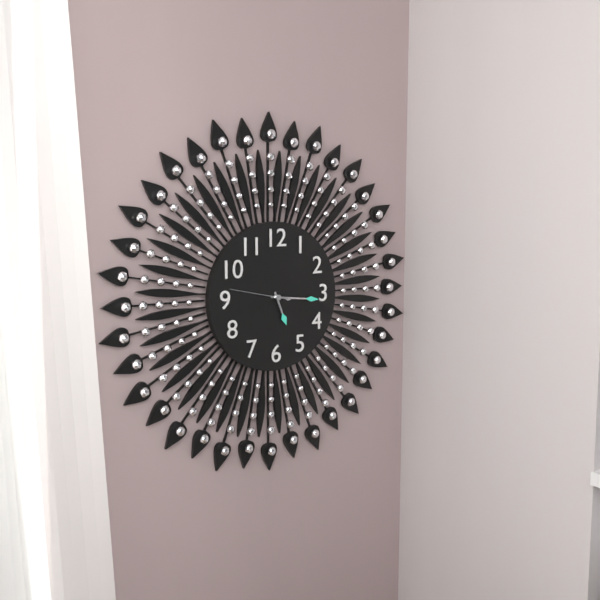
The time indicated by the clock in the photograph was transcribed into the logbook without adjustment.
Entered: 5:16:47
